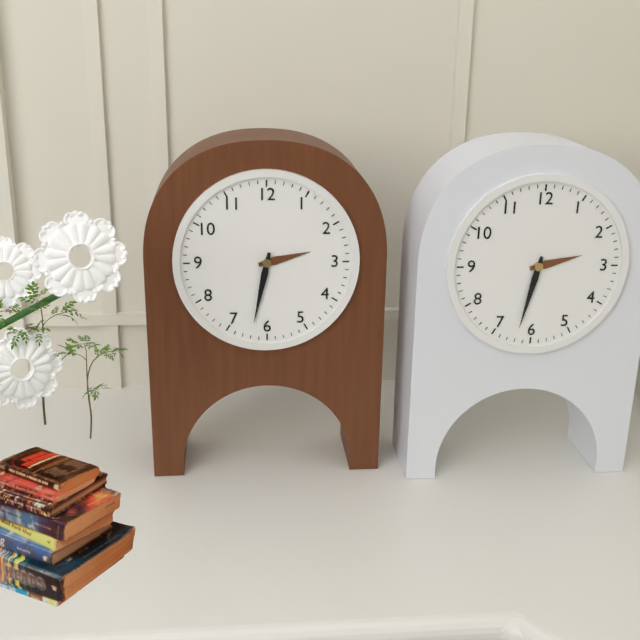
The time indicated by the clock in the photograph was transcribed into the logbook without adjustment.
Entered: 2:32
